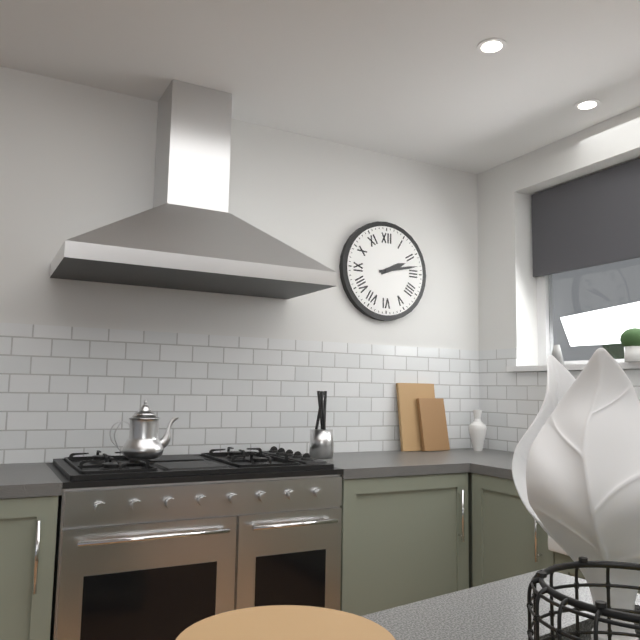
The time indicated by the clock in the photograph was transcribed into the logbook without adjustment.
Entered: 2:13
